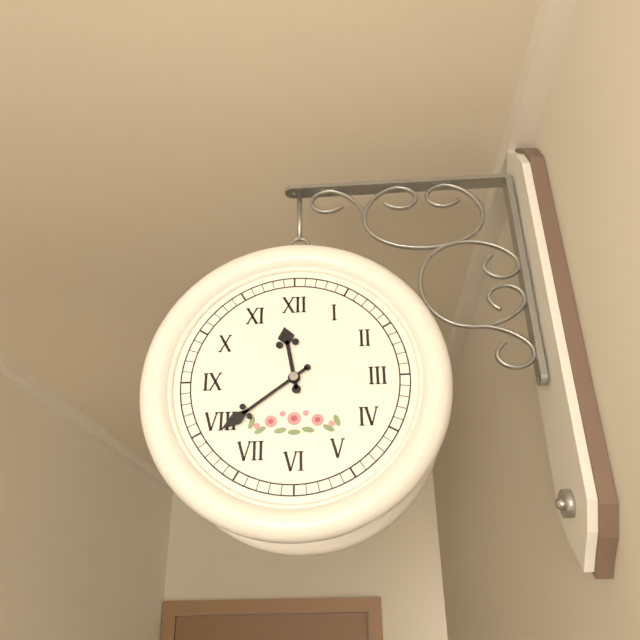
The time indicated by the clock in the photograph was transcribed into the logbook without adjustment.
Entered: 11:39
